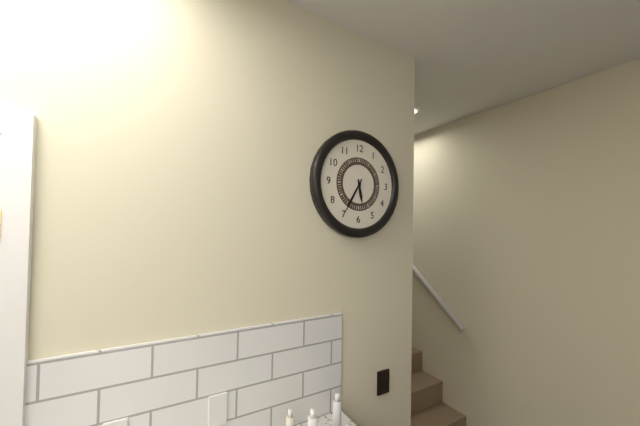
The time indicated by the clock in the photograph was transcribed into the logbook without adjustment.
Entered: 5:35
